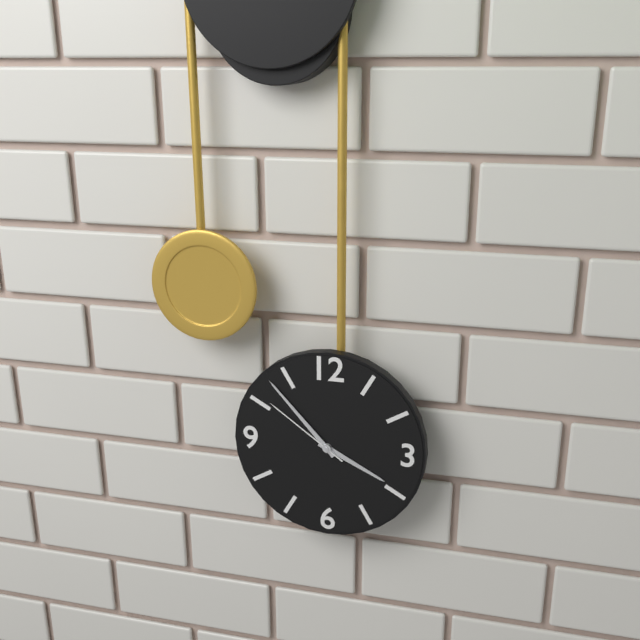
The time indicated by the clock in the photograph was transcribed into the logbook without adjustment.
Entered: 3:53:51
